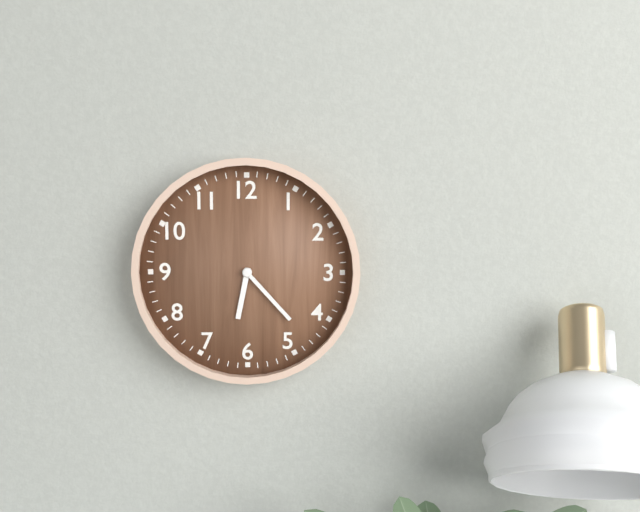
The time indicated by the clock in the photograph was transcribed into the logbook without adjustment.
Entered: 6:23
